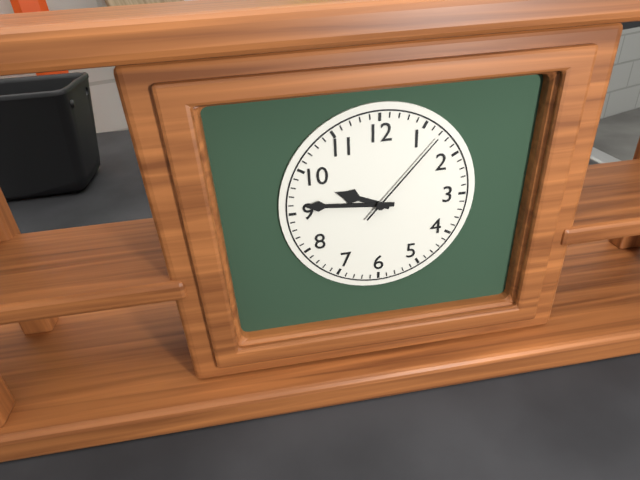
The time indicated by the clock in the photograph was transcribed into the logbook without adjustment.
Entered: 9:46:07
